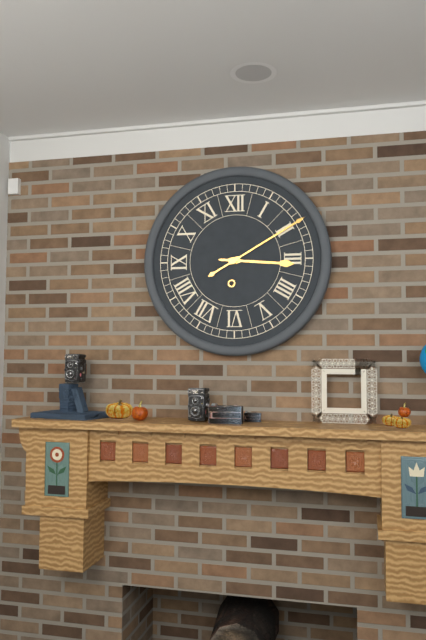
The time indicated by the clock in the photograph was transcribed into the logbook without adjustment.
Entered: 3:10
